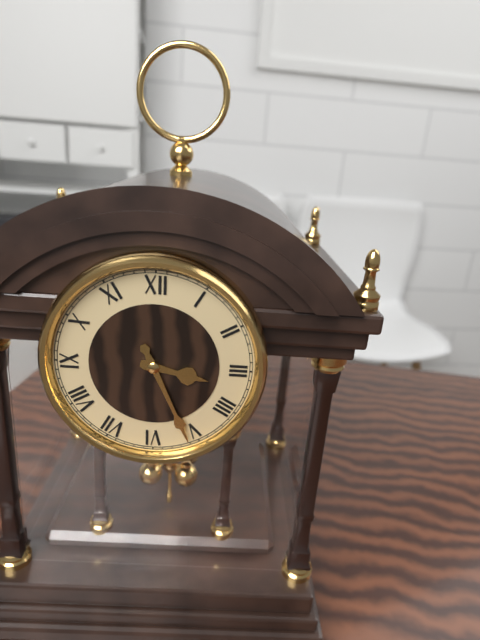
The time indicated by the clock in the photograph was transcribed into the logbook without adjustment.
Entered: 3:26
